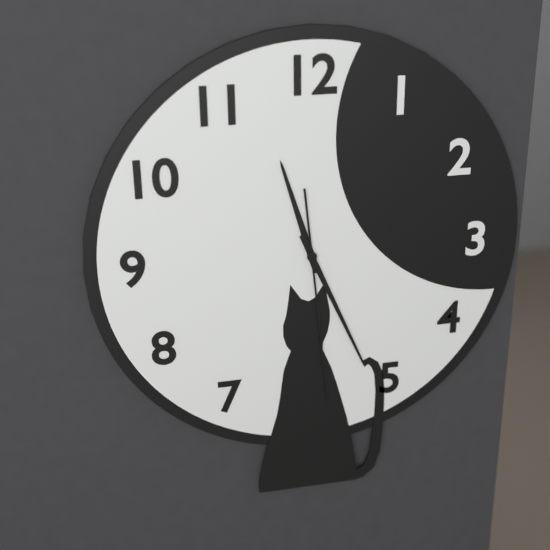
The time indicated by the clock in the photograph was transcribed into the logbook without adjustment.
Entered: 11:26:29
